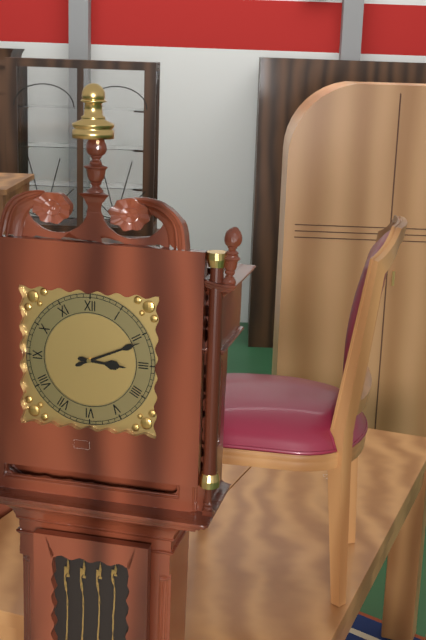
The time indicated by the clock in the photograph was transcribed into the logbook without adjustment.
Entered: 3:11
